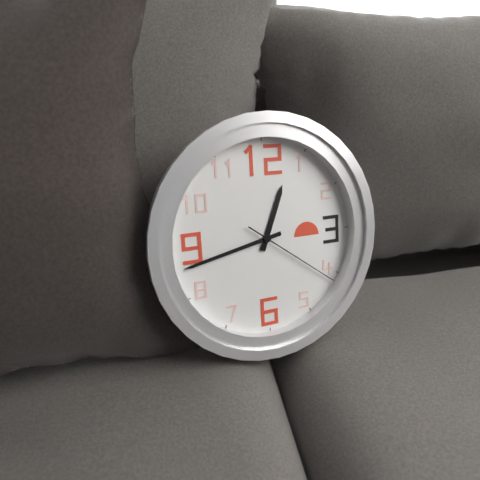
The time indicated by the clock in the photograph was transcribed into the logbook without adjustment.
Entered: 12:43:21
